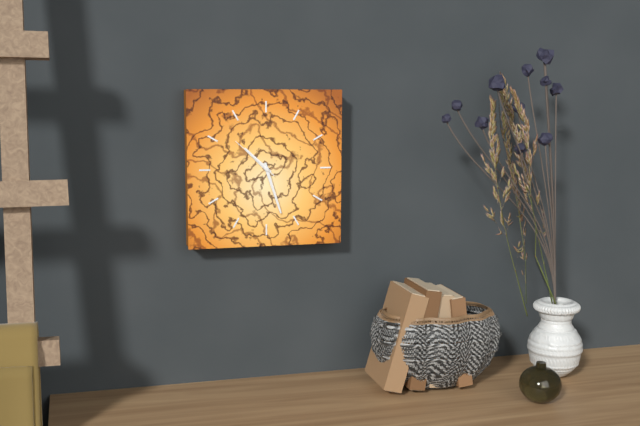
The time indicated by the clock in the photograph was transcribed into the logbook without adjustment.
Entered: 10:27:52
